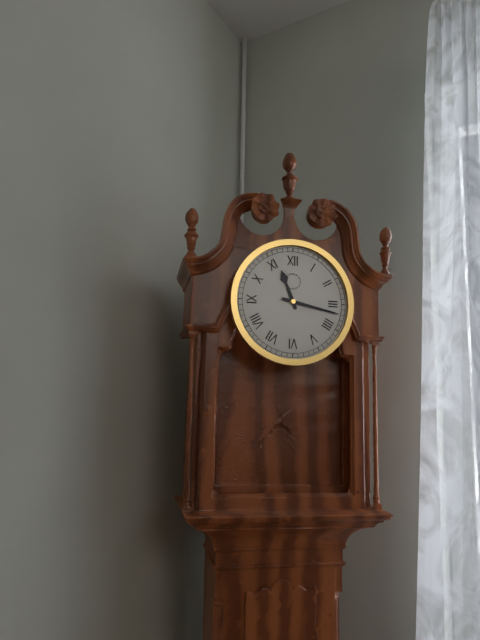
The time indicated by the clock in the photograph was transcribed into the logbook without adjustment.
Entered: 11:17
